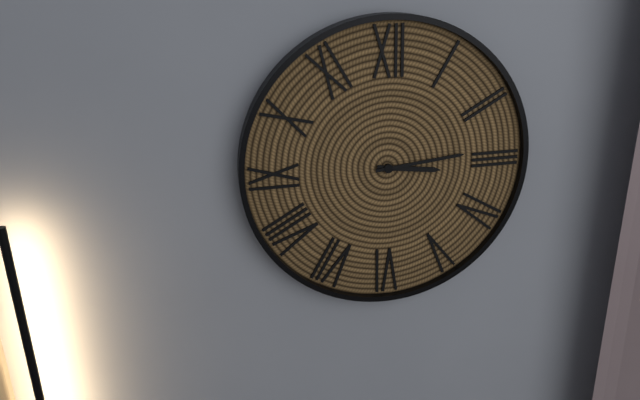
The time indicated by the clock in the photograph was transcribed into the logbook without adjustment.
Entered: 3:14
